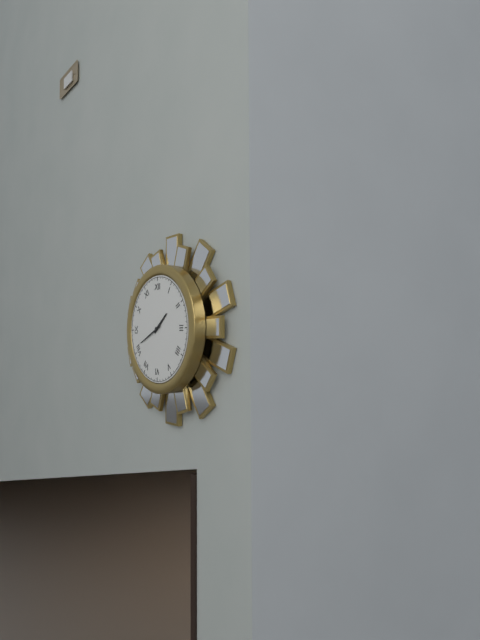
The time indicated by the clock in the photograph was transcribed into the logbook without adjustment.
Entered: 1:41
